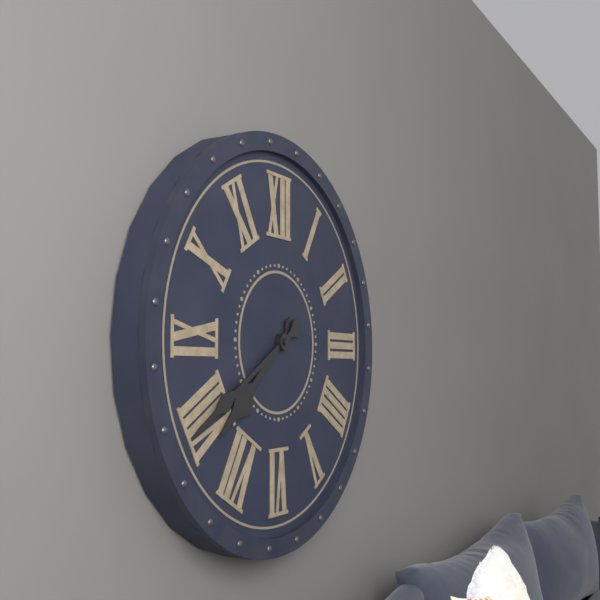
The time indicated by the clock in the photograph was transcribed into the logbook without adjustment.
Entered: 7:40
